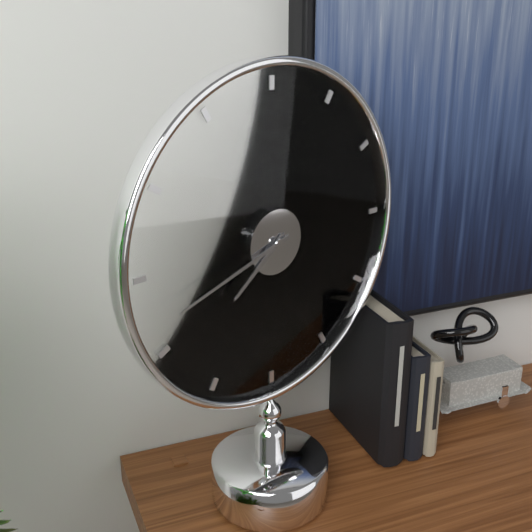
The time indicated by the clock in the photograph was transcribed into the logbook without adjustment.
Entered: 7:42
